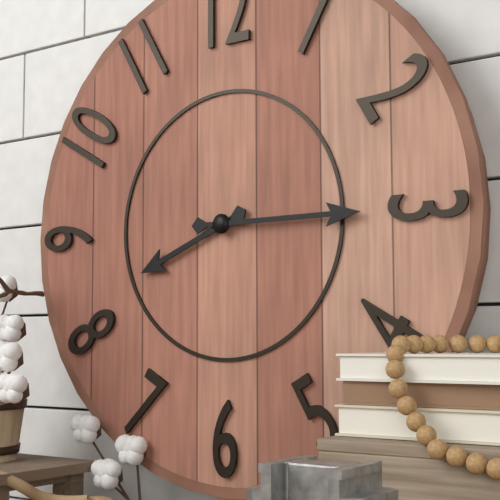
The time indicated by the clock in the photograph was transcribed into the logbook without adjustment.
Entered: 8:15
